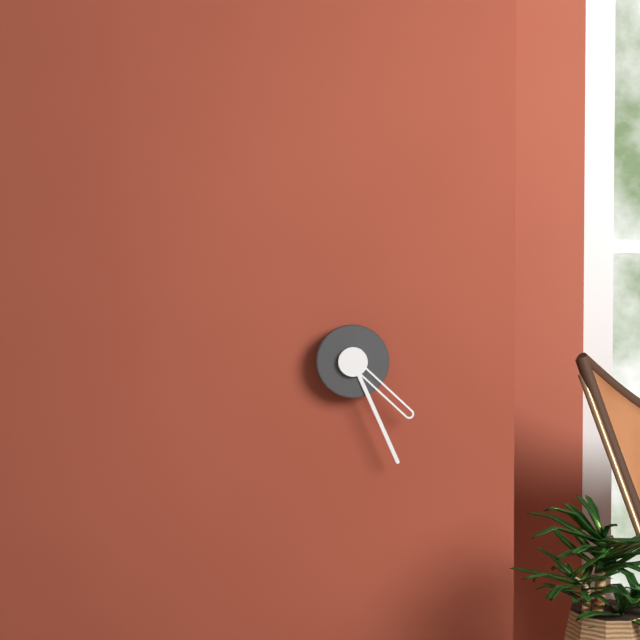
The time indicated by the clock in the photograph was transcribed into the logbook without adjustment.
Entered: 4:26
